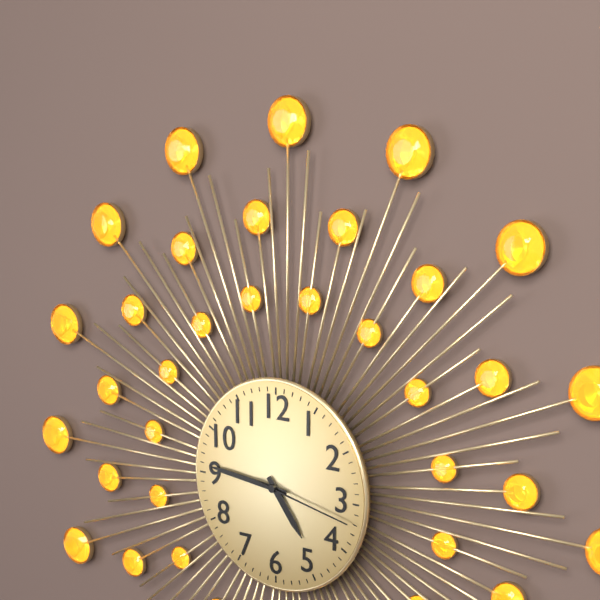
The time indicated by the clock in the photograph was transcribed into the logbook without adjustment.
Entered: 4:46:17
